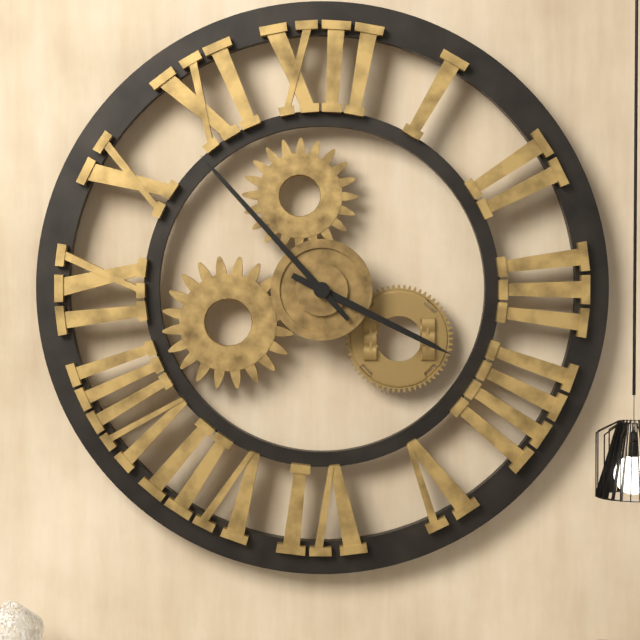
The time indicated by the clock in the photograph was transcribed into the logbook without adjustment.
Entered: 3:53
